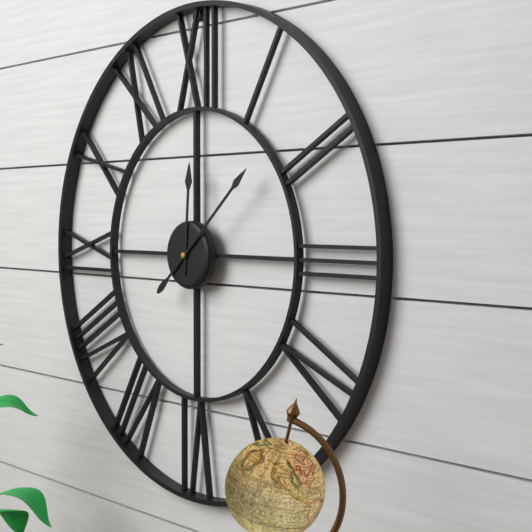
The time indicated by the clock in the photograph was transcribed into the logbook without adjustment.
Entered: 12:08
